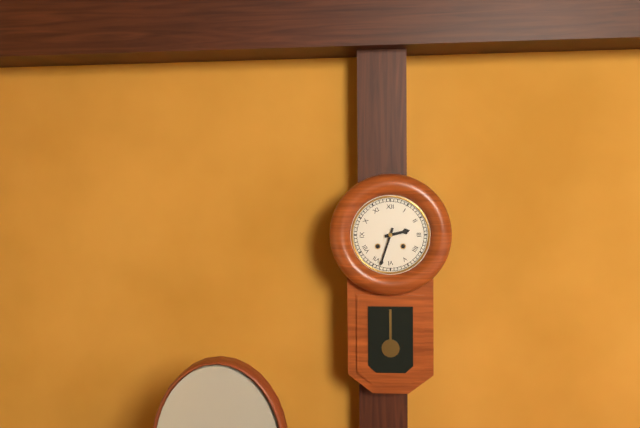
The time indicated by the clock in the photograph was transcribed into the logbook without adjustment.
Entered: 2:33
